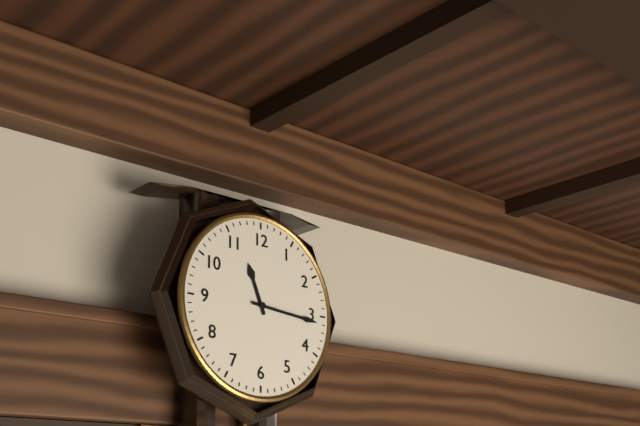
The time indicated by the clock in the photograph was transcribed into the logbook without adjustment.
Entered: 11:16
